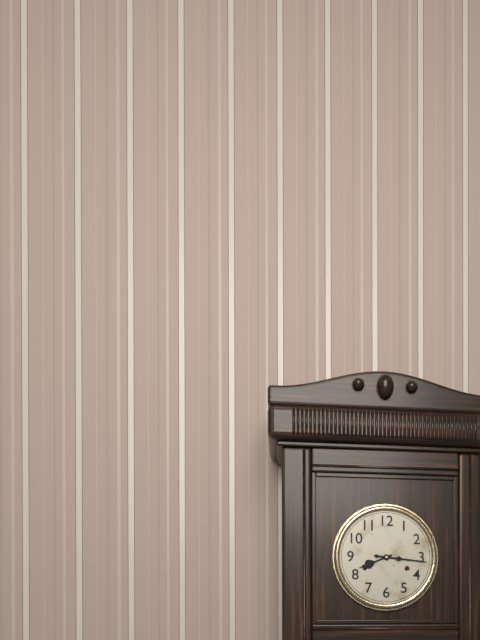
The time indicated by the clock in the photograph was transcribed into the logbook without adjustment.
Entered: 8:16
